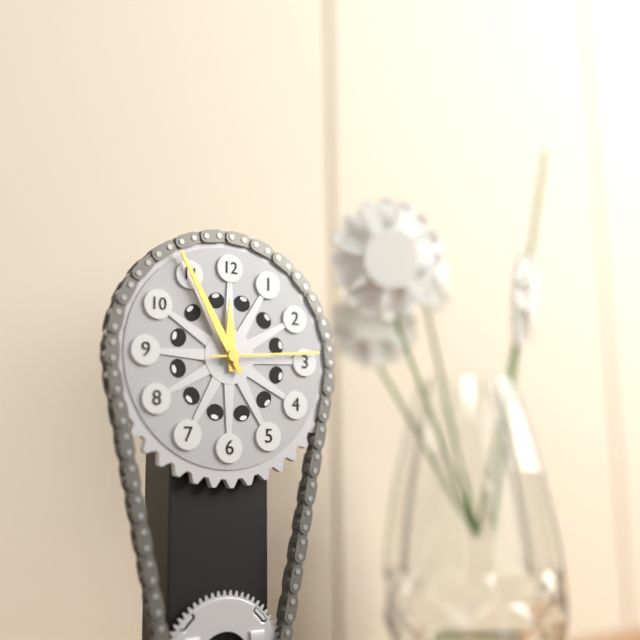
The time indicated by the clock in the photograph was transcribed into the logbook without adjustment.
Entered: 11:55:14
